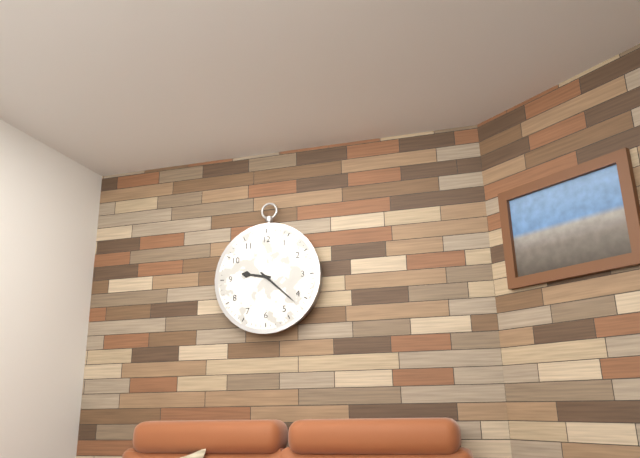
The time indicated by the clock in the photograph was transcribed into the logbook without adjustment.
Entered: 9:22
